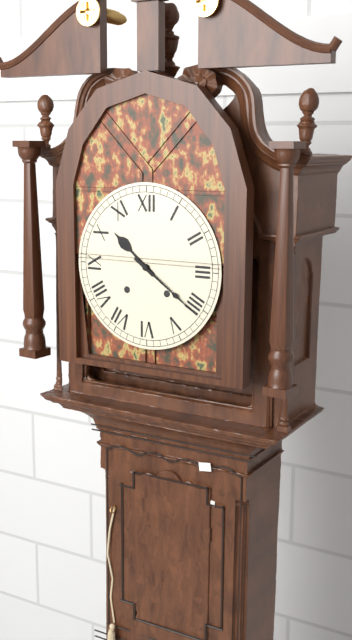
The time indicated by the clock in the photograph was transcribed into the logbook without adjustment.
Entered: 10:21
